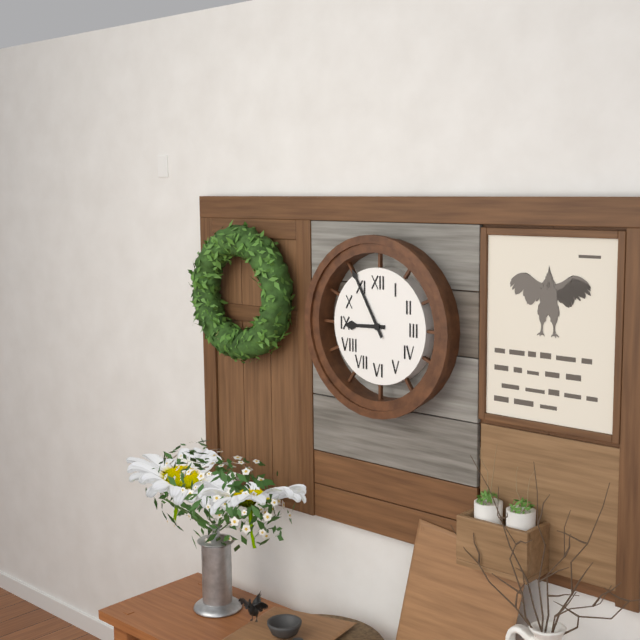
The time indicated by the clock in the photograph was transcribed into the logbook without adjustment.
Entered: 8:55
